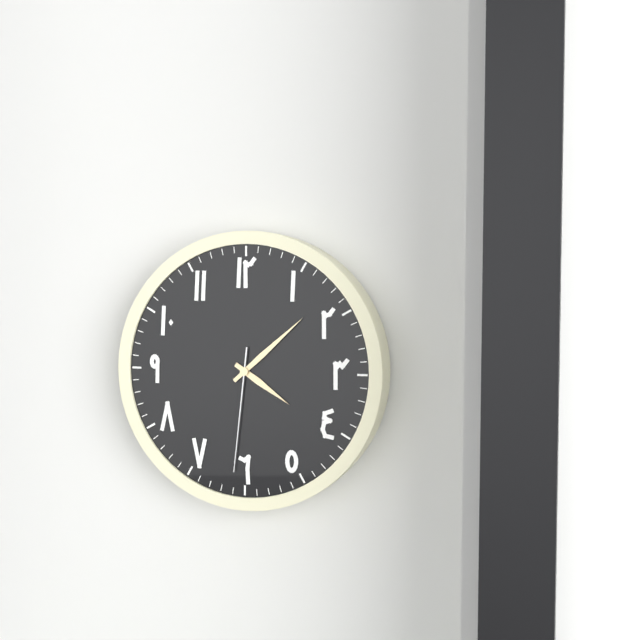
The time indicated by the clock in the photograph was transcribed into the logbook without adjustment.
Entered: 4:08:31
